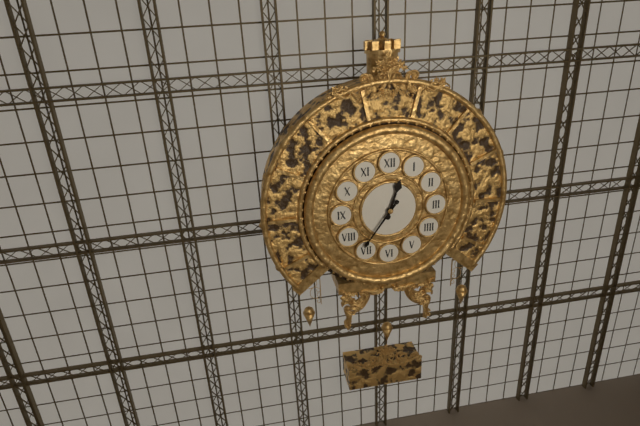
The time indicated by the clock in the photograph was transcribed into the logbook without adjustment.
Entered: 12:36
